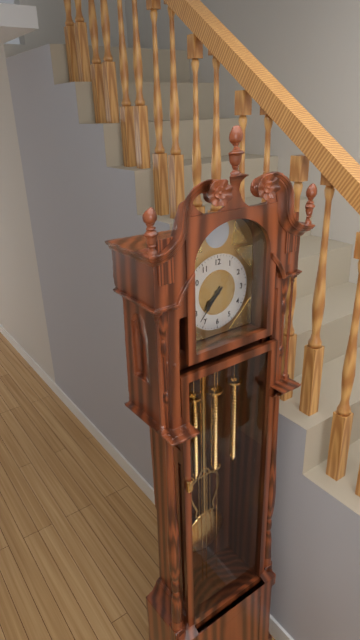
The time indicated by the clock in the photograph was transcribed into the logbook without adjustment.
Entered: 7:37
